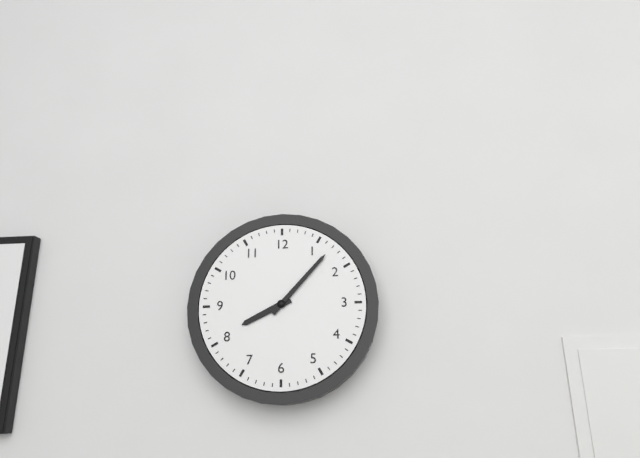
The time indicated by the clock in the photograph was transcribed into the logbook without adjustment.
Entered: 8:07
